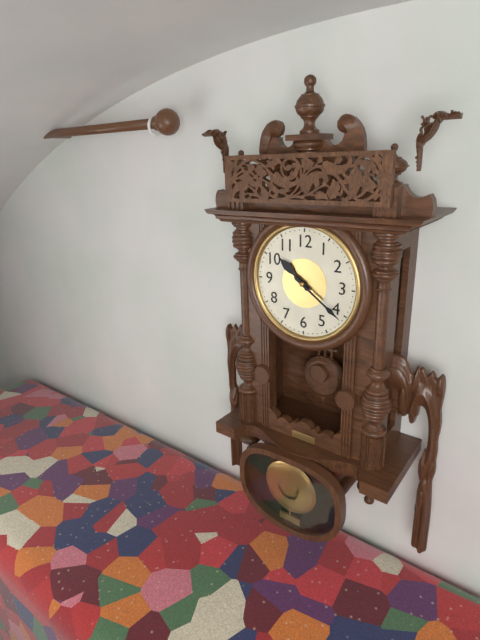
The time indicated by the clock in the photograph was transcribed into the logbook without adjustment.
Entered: 10:21
